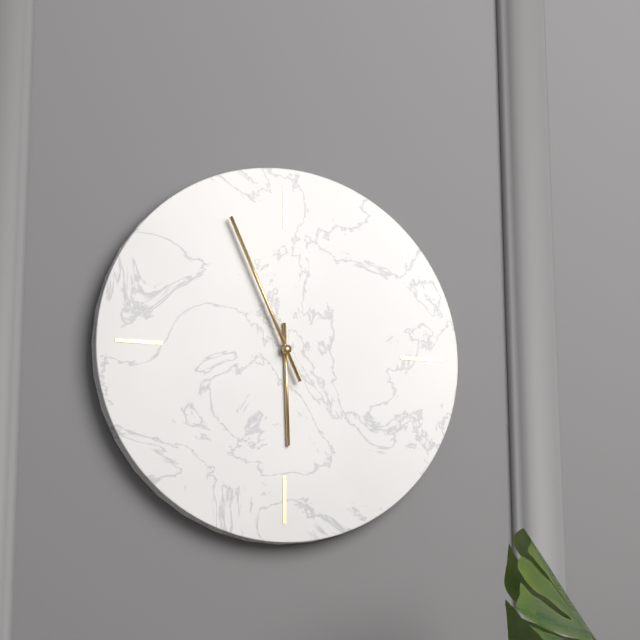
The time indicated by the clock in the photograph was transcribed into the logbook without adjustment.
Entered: 5:56
